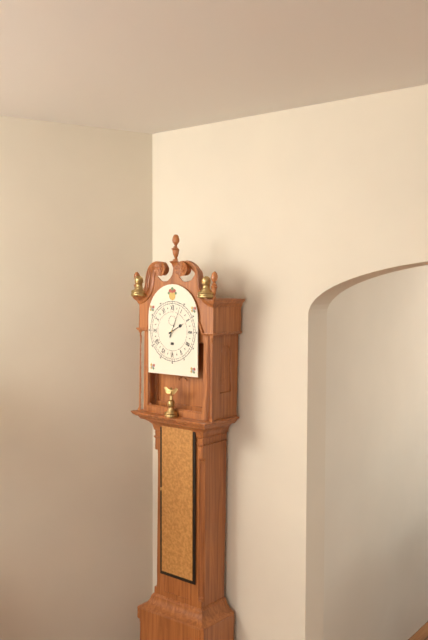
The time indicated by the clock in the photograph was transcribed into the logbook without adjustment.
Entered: 2:04
